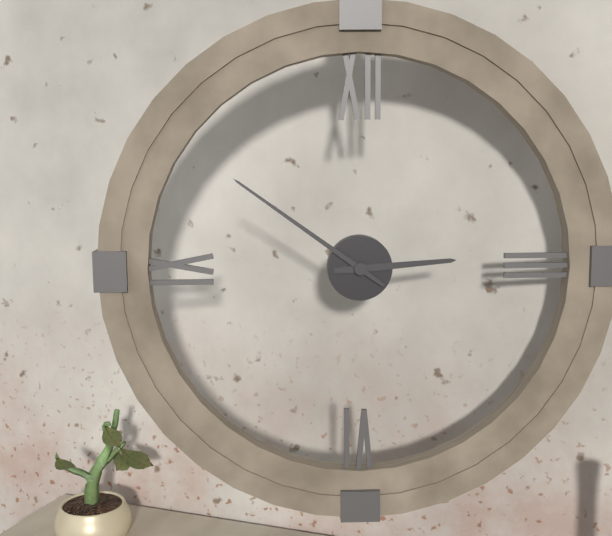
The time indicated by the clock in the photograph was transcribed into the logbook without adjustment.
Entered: 2:51
